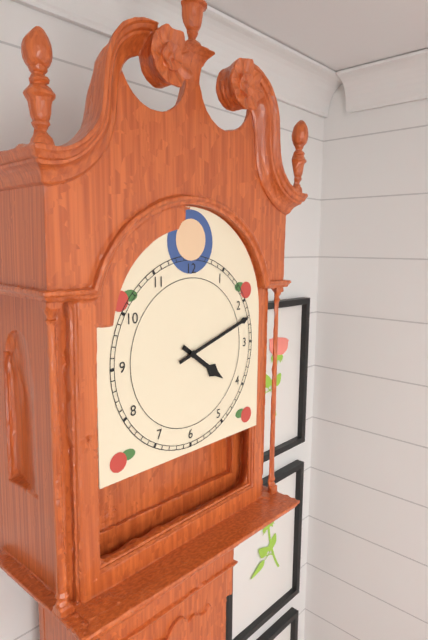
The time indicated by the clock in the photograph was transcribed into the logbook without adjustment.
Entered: 4:12
